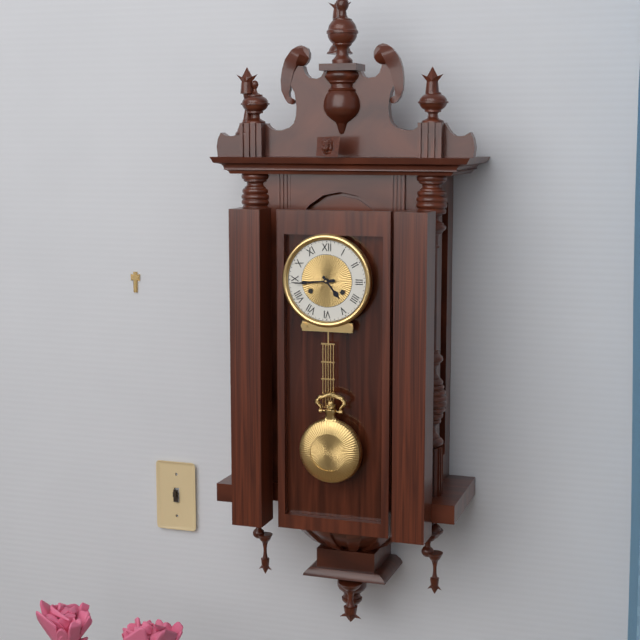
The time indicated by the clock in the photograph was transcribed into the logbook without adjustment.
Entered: 4:44
